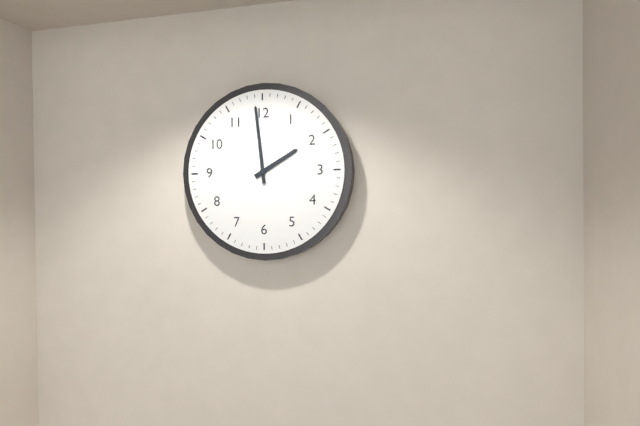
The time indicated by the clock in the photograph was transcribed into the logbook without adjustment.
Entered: 1:59
